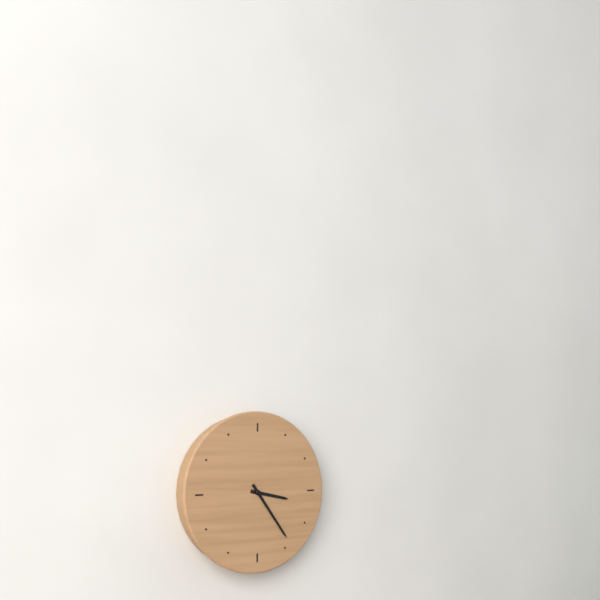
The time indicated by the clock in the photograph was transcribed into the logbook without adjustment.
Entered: 3:24
